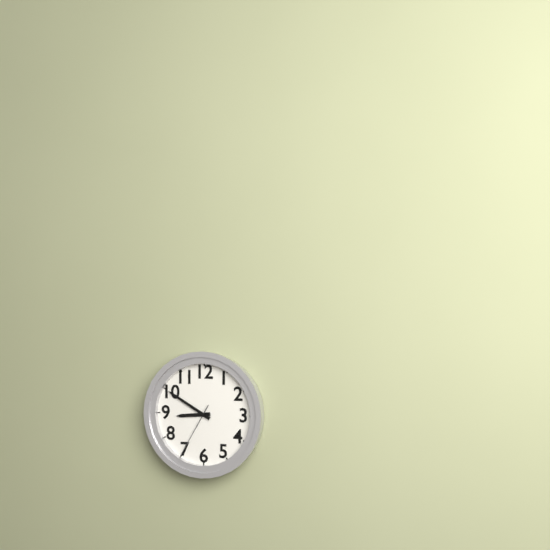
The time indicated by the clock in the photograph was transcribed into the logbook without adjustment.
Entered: 8:50:35
